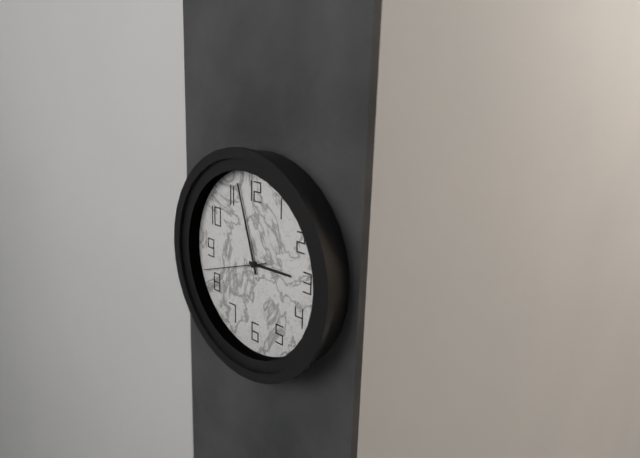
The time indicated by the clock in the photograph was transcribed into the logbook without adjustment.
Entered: 2:57:42
